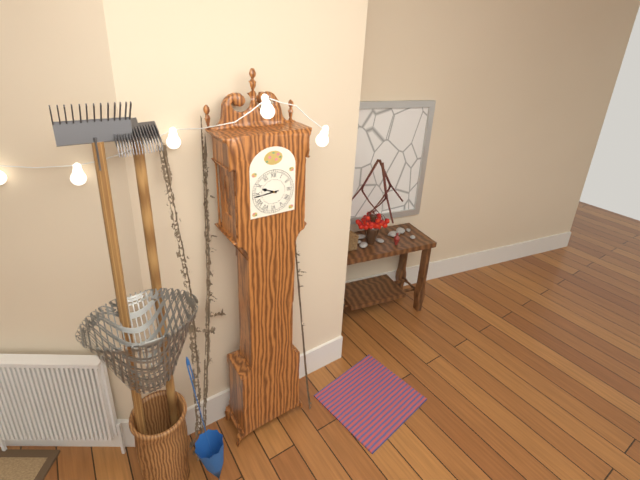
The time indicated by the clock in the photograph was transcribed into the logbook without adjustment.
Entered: 9:44
